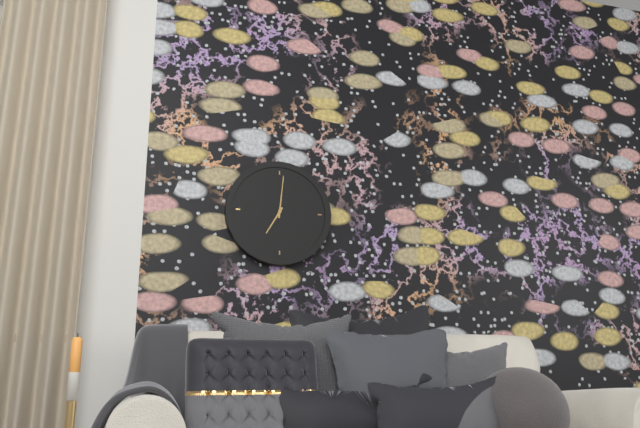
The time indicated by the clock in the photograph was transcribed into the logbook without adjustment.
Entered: 7:01
